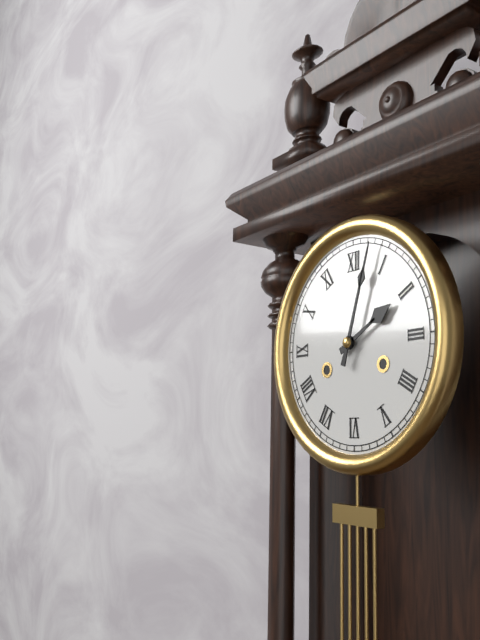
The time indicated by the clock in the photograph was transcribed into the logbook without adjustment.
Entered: 2:03
